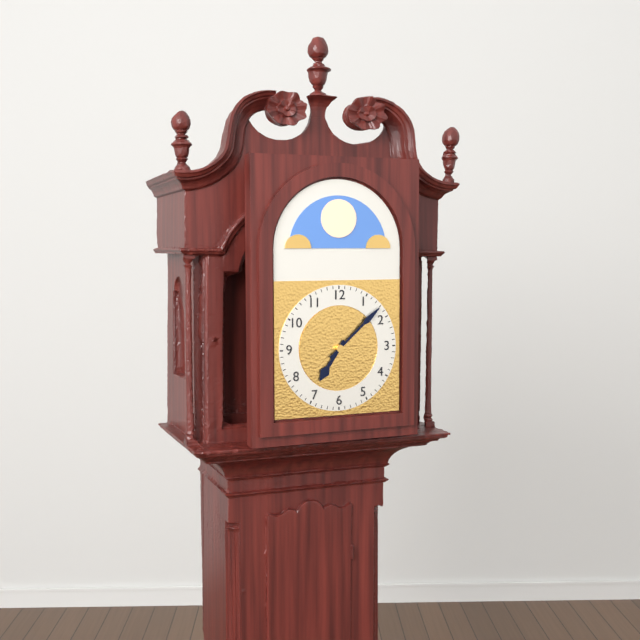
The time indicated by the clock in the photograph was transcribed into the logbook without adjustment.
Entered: 7:08
